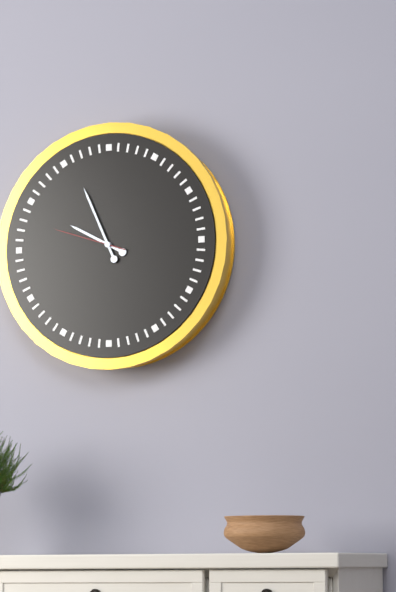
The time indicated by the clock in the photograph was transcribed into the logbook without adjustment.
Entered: 9:56:48
